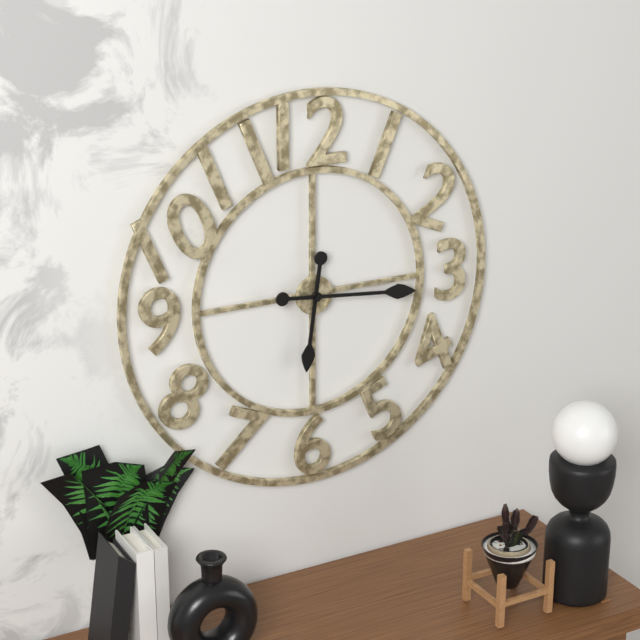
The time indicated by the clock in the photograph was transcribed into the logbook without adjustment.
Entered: 6:16
